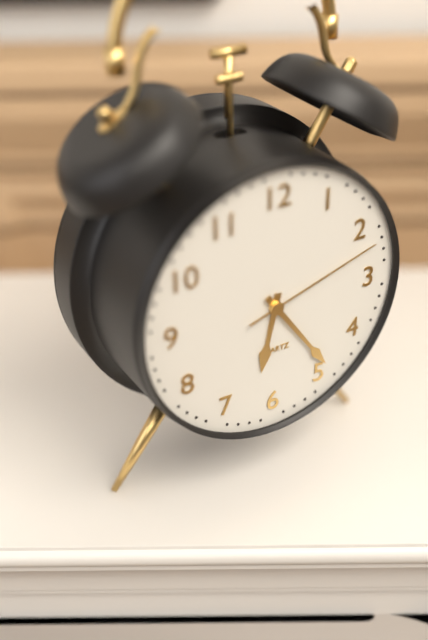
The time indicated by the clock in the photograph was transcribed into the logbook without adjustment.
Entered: 6:24:12
